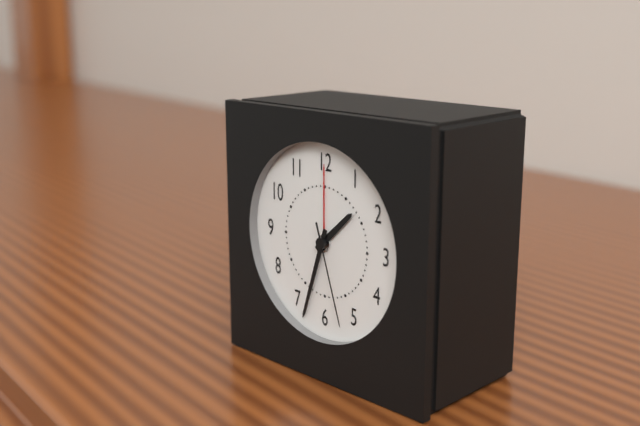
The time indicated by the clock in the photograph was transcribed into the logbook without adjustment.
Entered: 1:33:27
